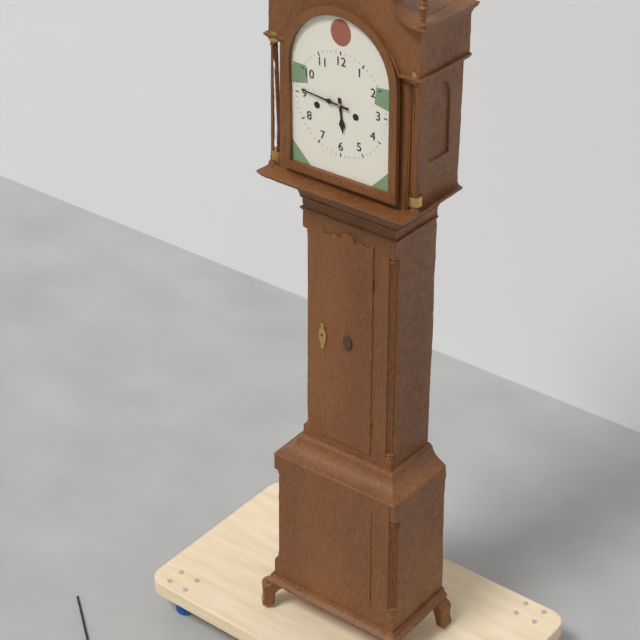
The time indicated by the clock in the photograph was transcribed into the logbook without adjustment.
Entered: 5:46
